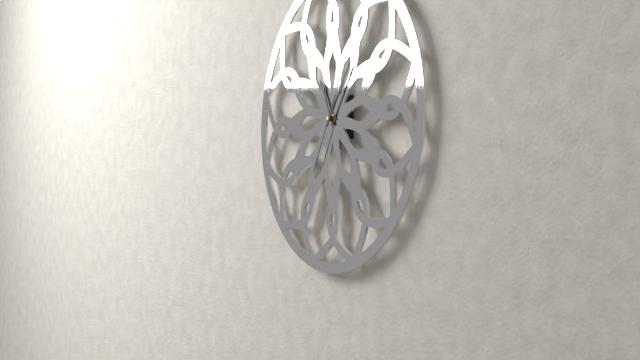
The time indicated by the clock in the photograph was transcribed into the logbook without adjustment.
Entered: 11:06:35
